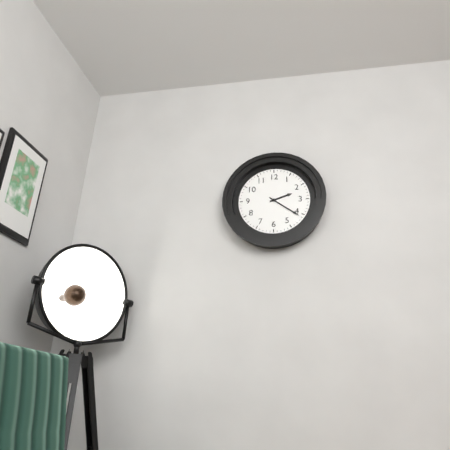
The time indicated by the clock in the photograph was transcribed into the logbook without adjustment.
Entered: 2:21
